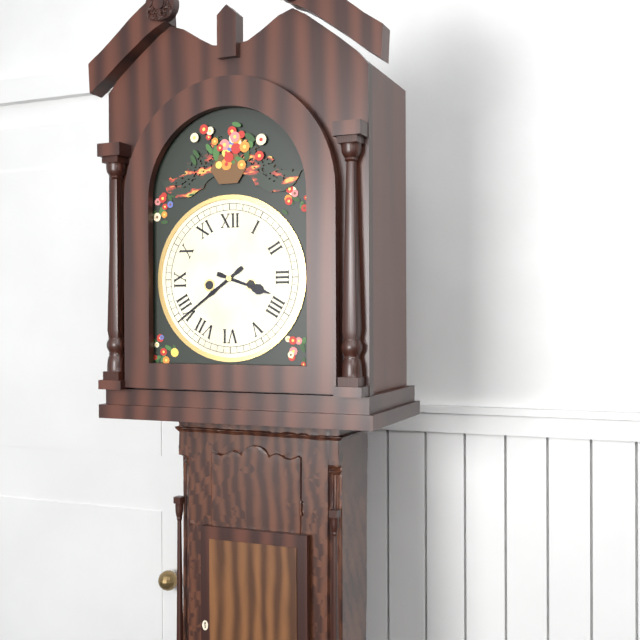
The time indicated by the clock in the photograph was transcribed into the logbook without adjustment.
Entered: 3:39
